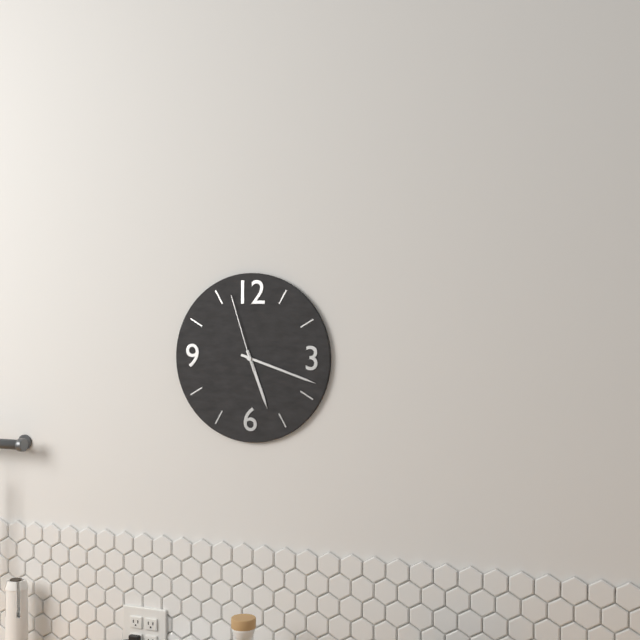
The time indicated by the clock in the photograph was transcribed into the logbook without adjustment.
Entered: 5:18:57
